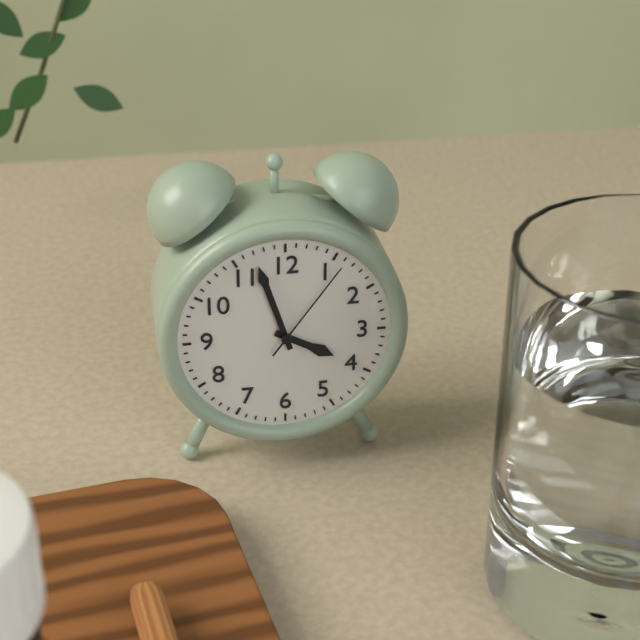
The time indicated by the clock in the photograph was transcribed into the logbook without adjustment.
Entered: 3:57:06
